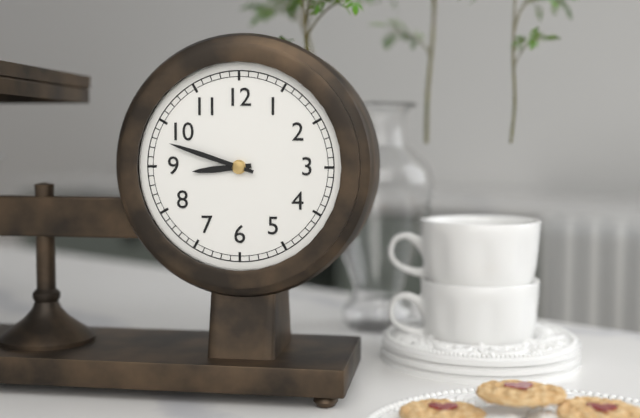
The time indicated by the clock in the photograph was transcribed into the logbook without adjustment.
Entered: 8:48
